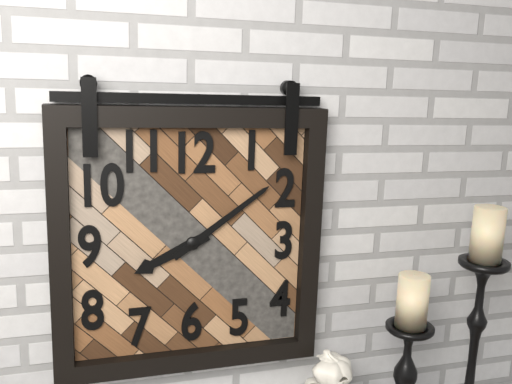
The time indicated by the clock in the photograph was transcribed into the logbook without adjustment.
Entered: 8:09
